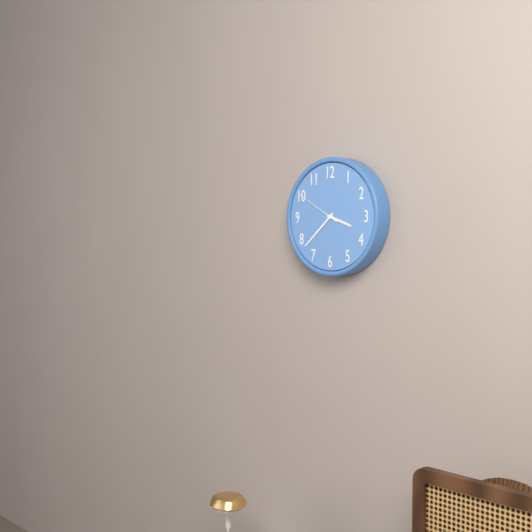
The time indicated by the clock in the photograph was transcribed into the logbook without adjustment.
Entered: 3:38
